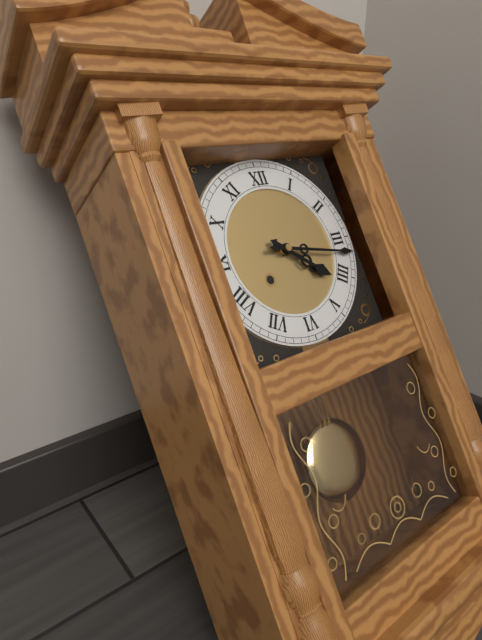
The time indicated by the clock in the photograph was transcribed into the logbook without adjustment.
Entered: 4:17
